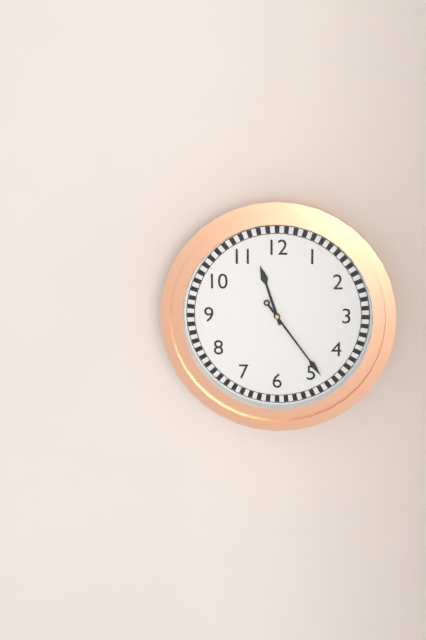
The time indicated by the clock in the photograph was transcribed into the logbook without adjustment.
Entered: 11:24
